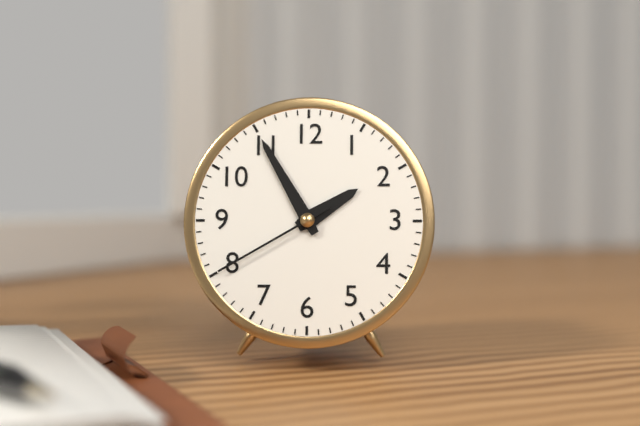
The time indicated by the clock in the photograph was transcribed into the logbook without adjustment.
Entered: 1:55:40
